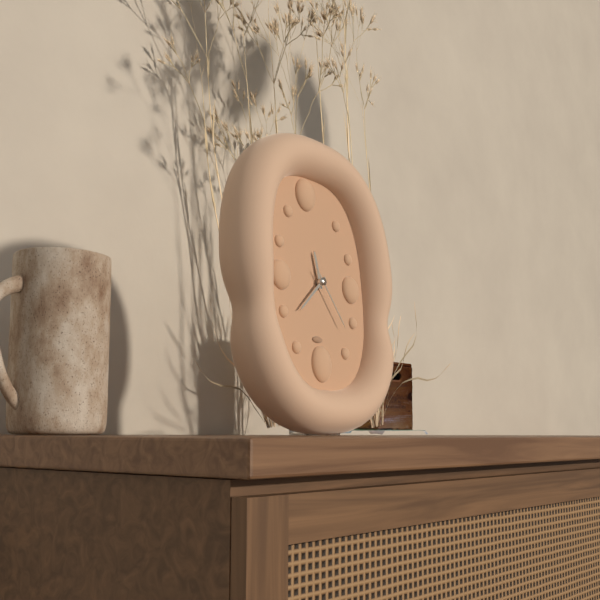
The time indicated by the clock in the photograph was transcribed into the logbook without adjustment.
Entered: 11:38:24
